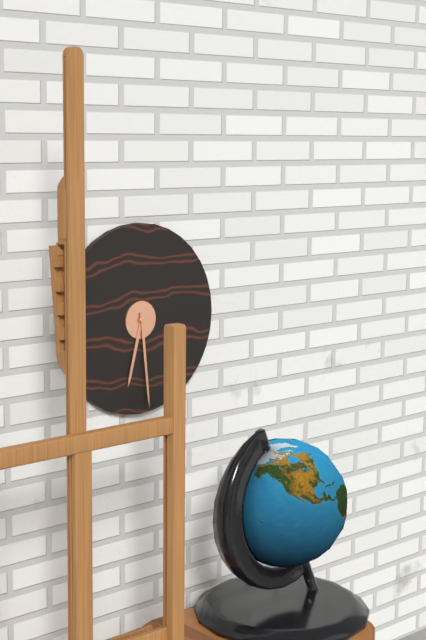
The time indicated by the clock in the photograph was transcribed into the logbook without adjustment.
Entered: 6:29
